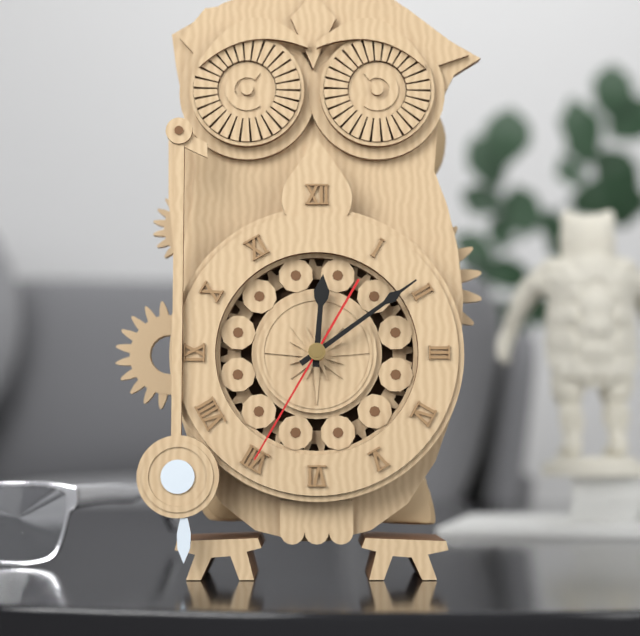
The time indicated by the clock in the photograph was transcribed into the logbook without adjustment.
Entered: 12:09:35
